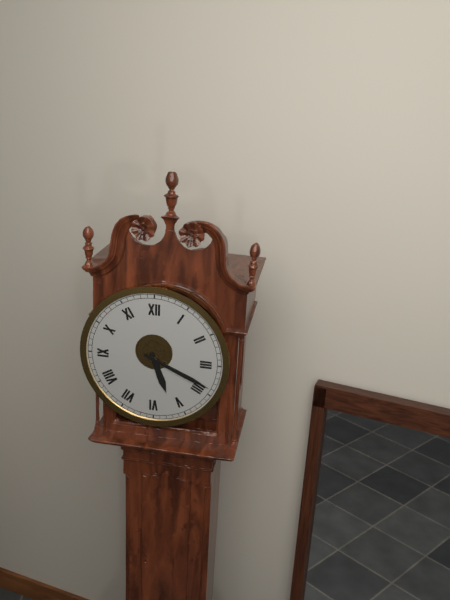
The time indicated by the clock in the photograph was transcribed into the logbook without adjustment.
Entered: 5:19
